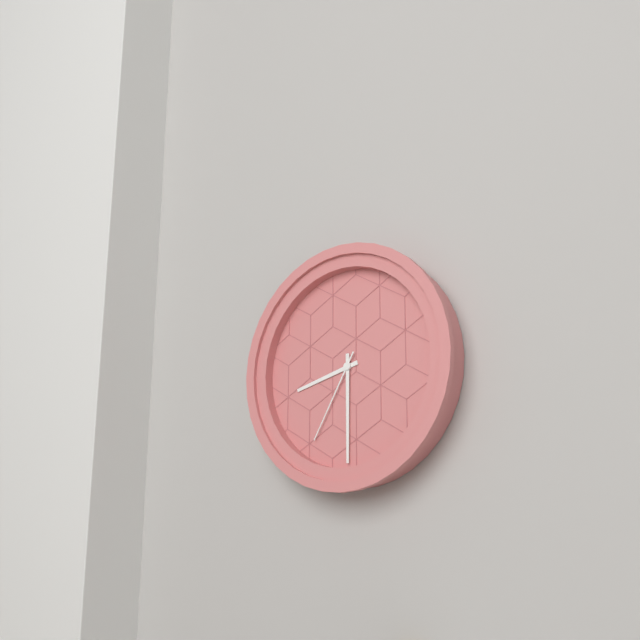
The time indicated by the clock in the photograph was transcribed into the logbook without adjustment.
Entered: 8:30:35
